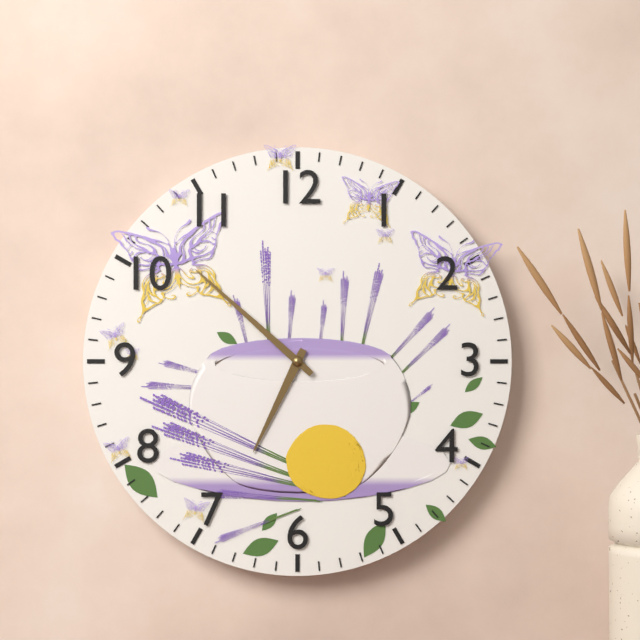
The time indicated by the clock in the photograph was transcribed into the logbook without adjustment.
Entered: 6:52
